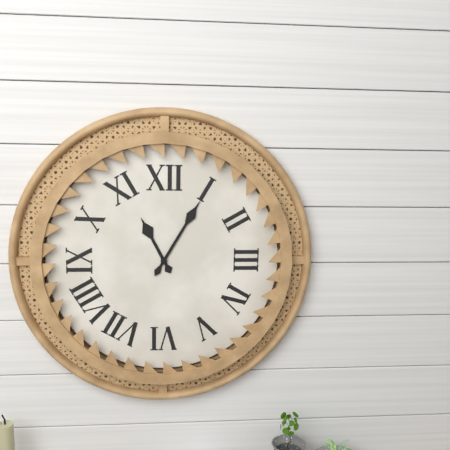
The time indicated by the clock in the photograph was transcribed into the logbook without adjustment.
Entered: 11:05
